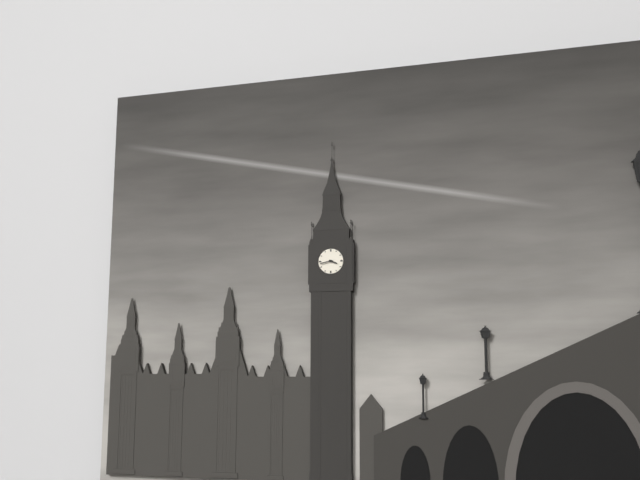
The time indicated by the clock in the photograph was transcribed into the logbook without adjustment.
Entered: 3:43
